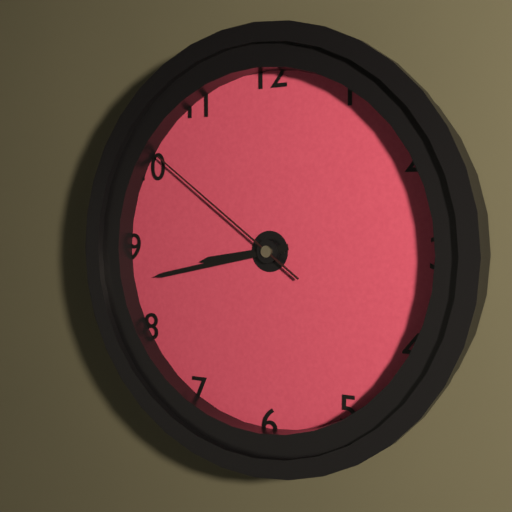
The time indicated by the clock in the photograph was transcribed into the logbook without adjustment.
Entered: 8:43:51
